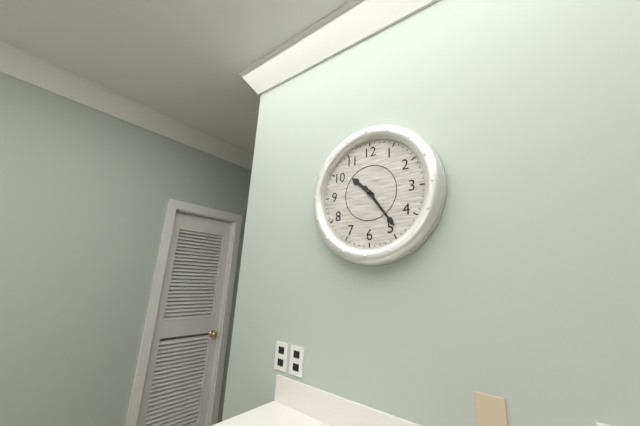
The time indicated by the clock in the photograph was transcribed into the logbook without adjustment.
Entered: 10:24
